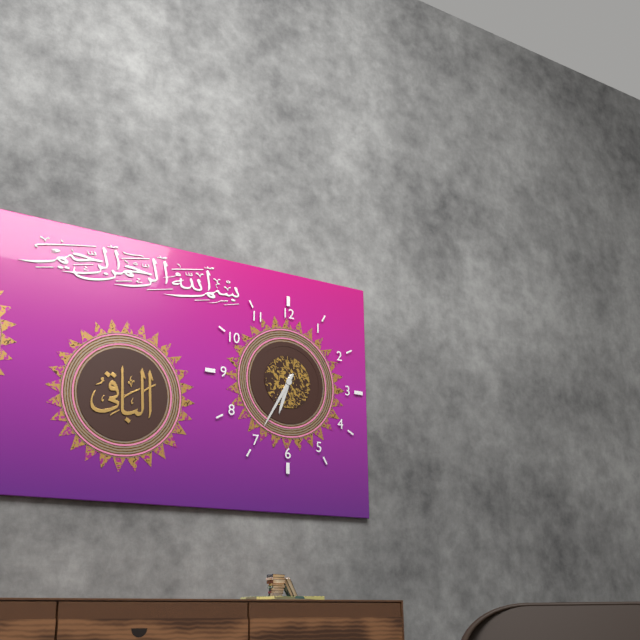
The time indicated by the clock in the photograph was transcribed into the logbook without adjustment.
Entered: 6:35
